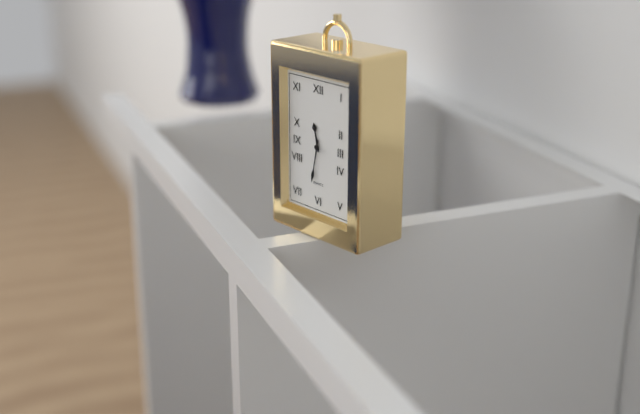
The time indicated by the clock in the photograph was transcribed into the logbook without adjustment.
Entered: 11:32
